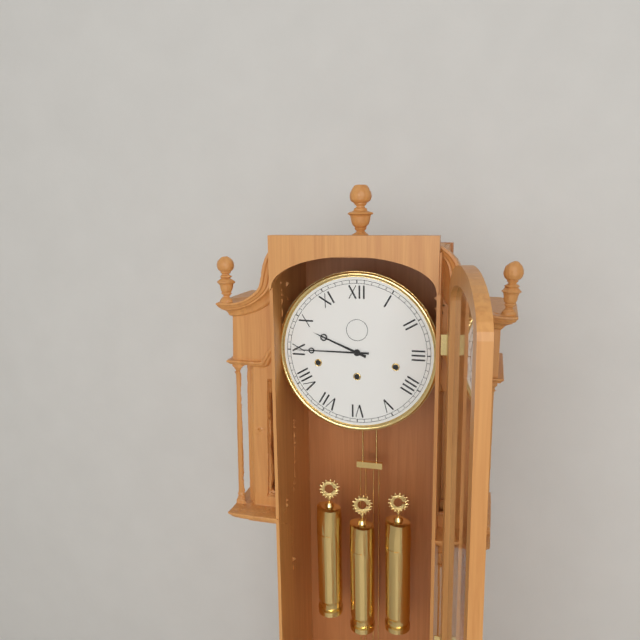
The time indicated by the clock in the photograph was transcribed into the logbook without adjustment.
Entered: 9:45
